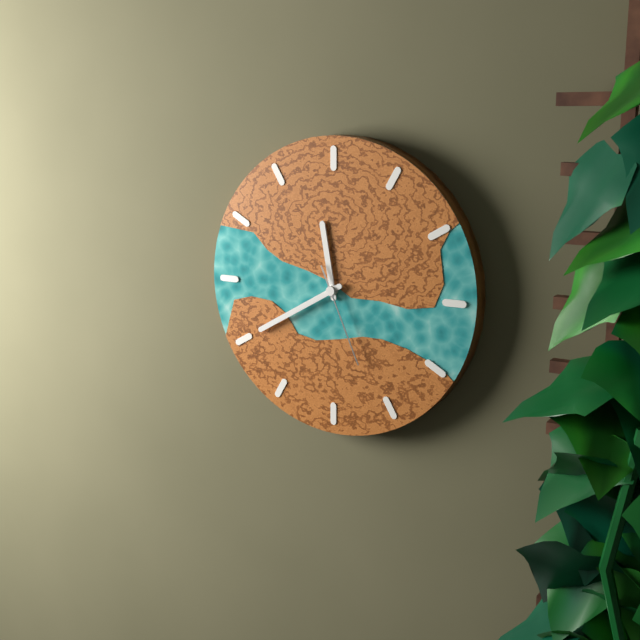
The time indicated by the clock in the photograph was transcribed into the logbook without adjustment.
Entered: 11:40:26
